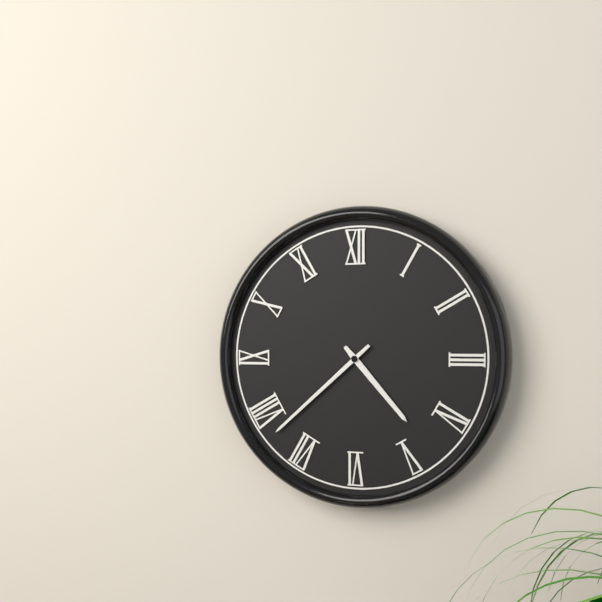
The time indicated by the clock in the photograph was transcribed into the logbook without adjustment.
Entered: 4:38
